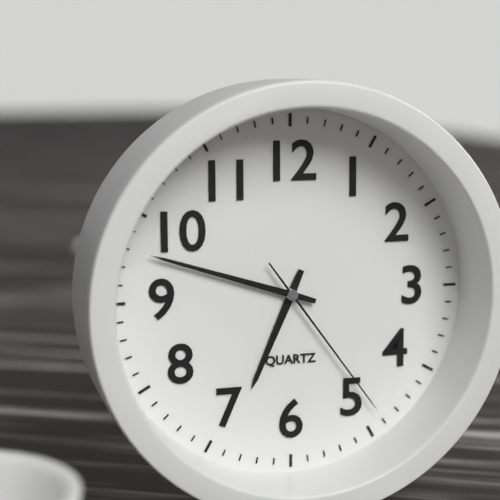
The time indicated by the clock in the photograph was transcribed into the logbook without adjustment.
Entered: 6:48:24
